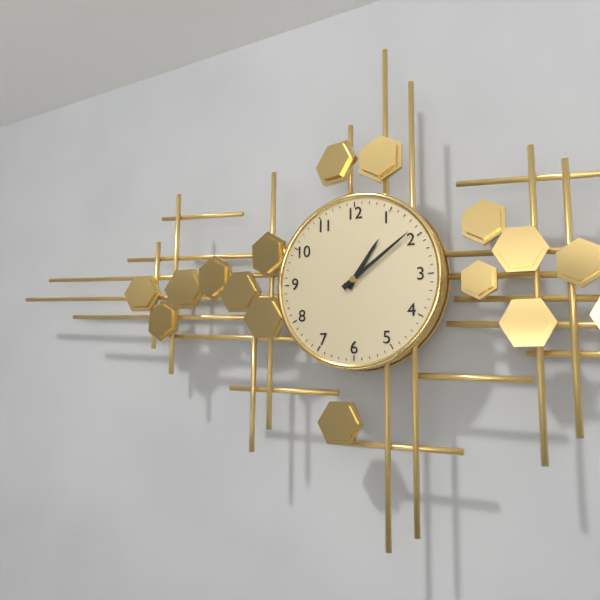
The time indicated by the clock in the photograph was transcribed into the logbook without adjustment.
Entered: 1:09
